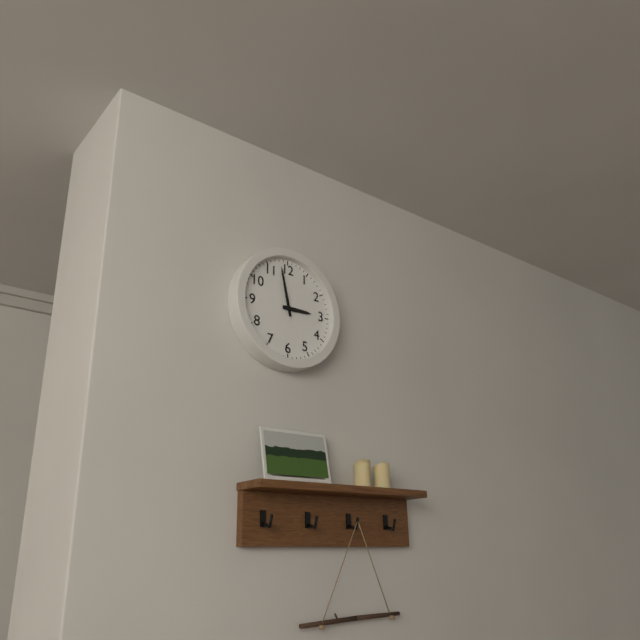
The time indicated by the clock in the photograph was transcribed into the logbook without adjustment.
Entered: 2:58
